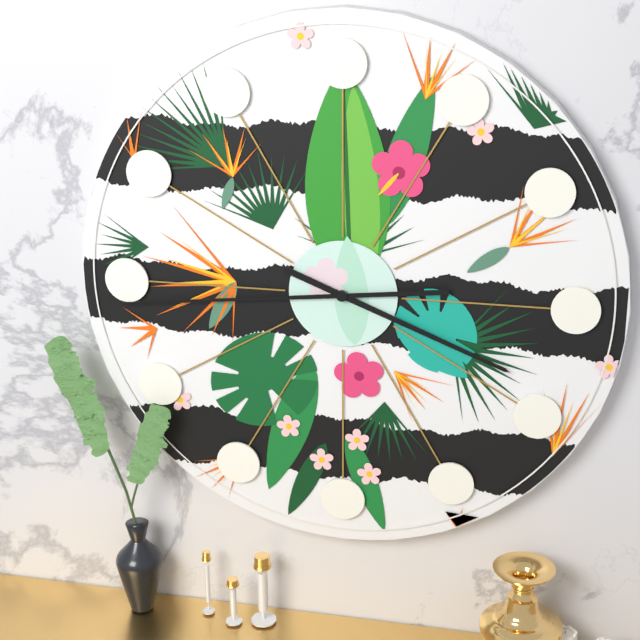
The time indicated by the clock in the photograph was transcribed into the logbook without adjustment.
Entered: 3:44
